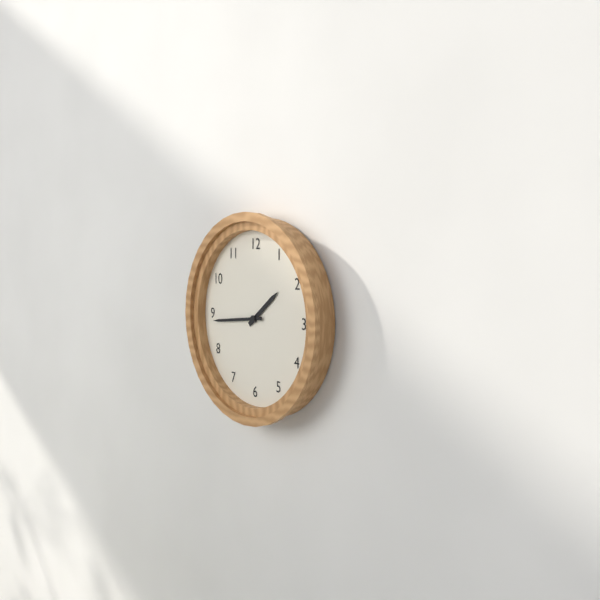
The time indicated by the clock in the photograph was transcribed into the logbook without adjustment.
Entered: 1:44
